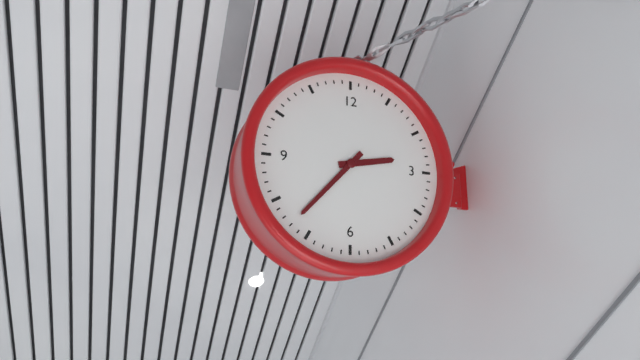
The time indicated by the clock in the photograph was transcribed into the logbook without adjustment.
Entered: 2:37
